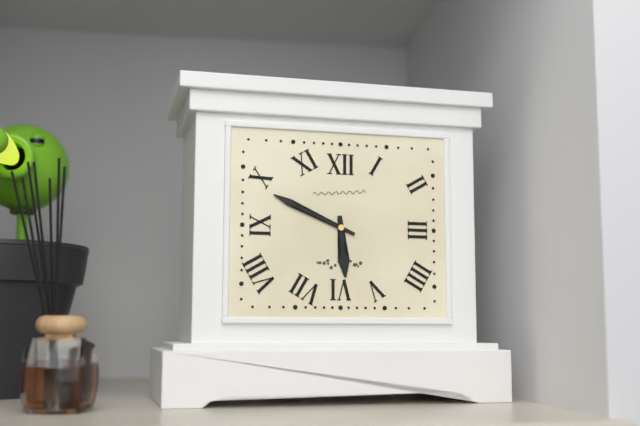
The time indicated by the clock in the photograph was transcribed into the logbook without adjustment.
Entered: 5:49
